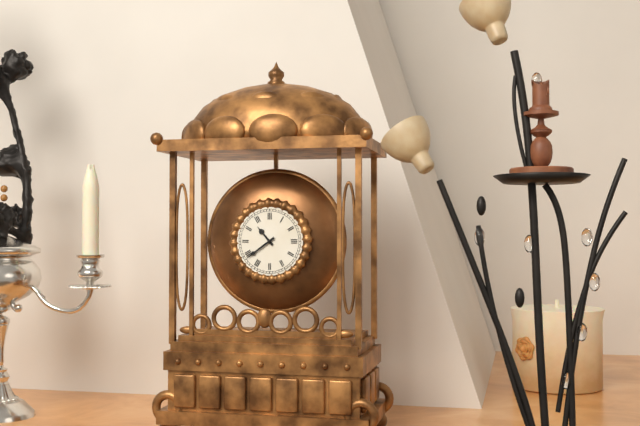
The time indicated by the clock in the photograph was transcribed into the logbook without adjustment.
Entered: 10:39
